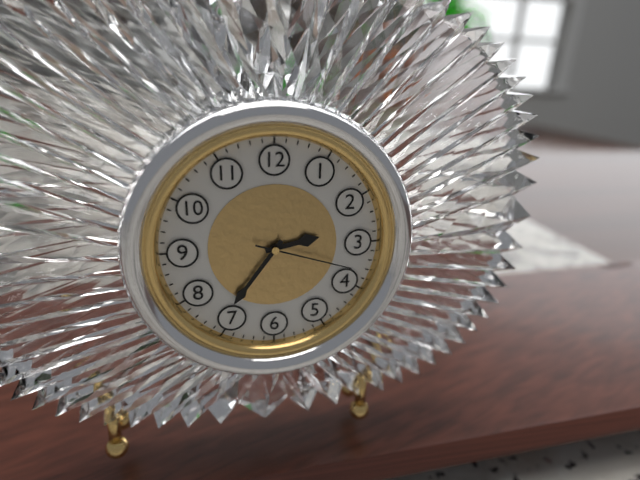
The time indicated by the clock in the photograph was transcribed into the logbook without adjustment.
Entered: 2:36:18
